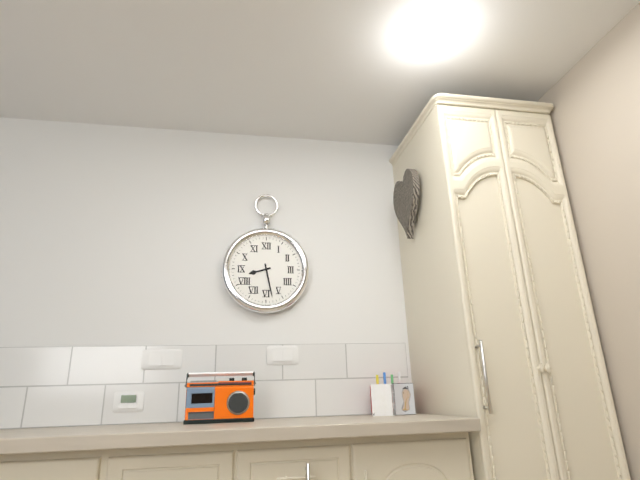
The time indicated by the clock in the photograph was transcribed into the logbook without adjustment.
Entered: 8:28
